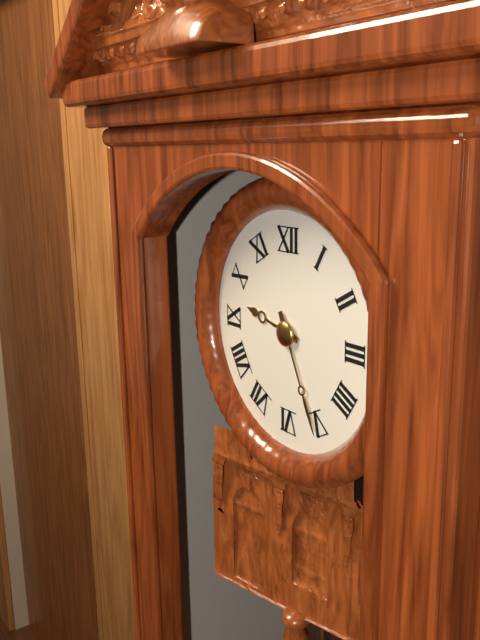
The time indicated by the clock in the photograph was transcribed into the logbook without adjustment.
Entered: 9:26
